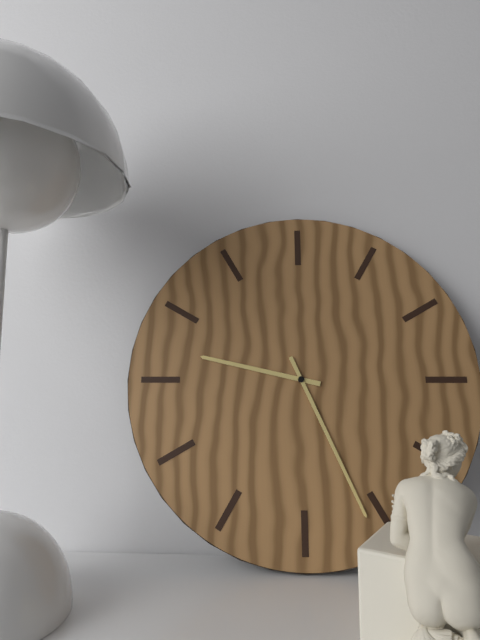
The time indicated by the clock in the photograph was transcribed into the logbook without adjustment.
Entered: 9:26
